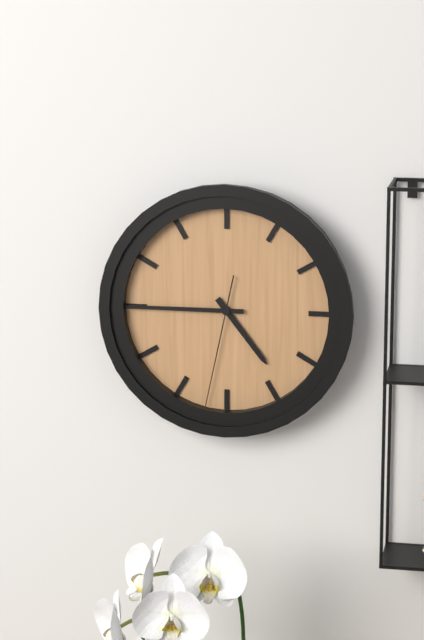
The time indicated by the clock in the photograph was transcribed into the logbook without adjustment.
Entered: 4:45:32
